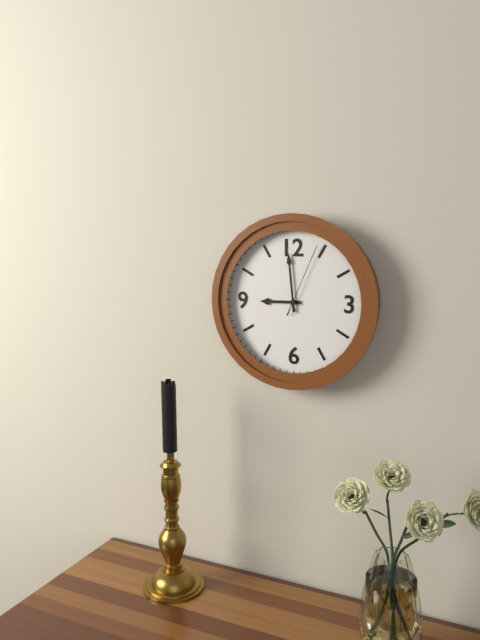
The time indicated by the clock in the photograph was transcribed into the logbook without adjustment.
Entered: 8:59:04
